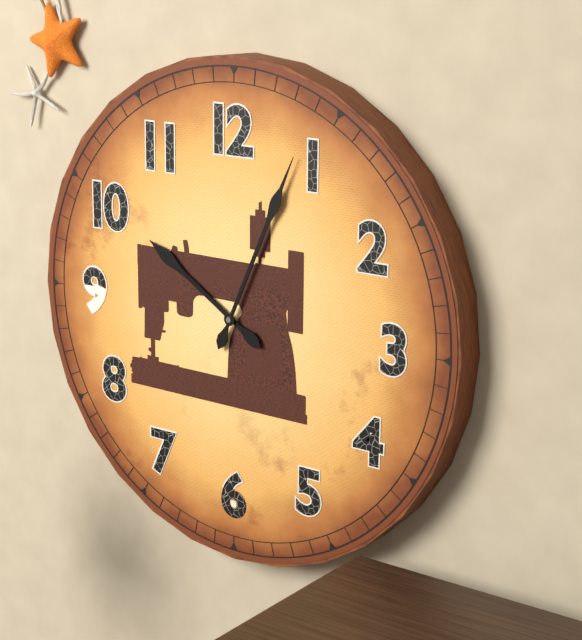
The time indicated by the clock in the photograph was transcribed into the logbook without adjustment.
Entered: 10:04
